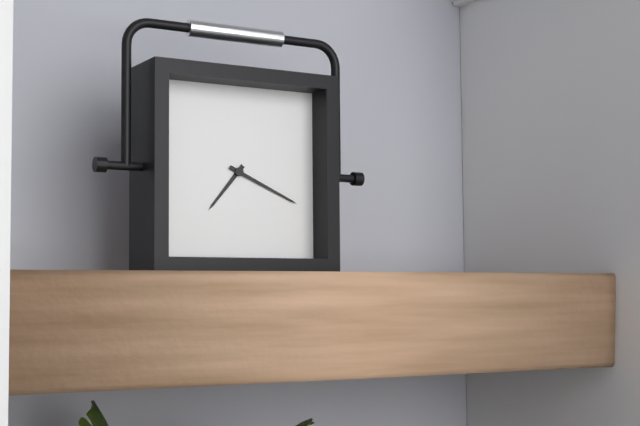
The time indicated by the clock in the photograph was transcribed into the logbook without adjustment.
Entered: 7:19
